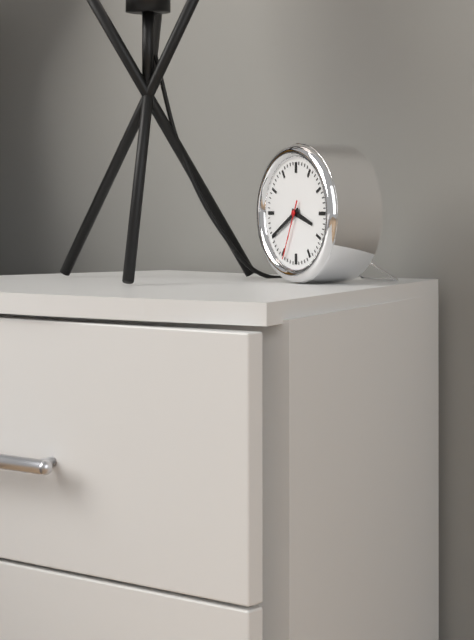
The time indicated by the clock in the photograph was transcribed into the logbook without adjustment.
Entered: 3:40:34
